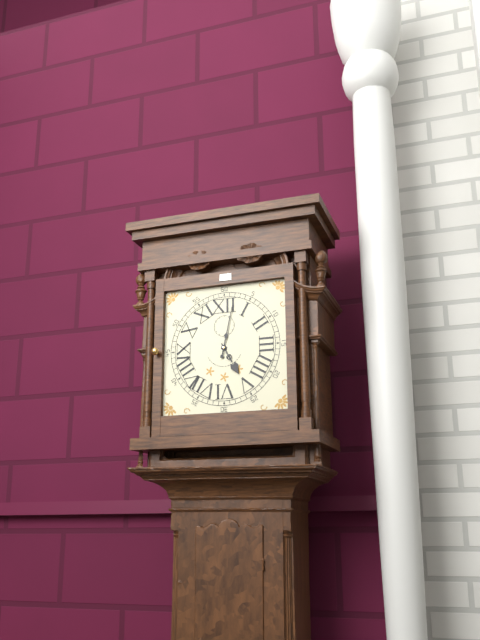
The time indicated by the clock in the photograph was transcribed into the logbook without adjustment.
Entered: 5:02
